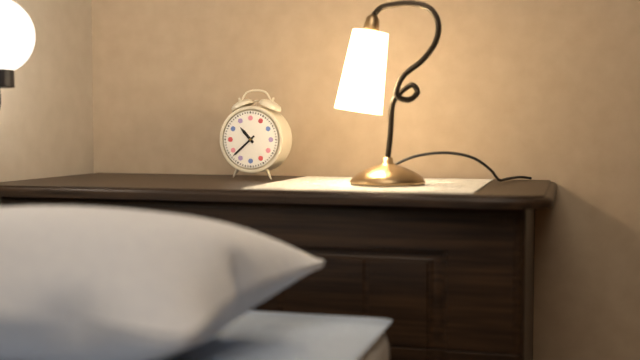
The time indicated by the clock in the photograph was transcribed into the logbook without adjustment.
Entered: 10:38
